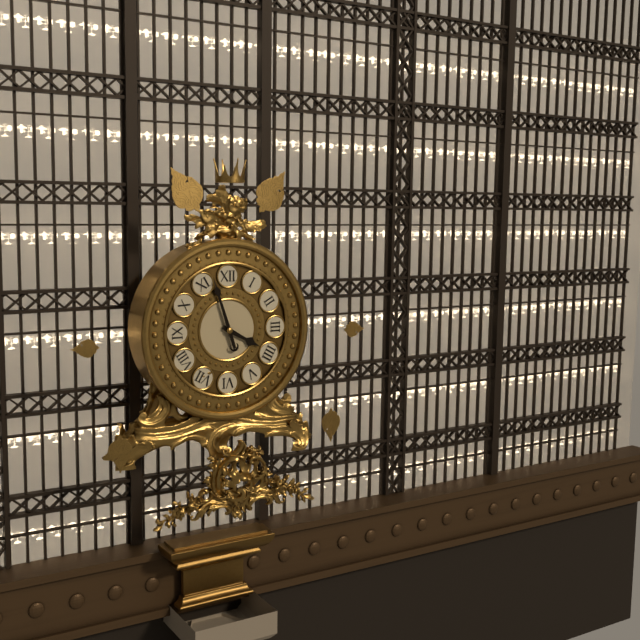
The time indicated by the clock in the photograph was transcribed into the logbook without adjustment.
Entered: 3:57
